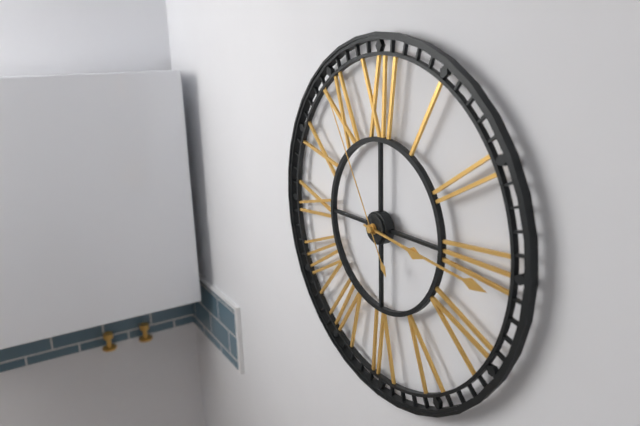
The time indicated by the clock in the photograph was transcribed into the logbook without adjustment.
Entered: 3:16:55
